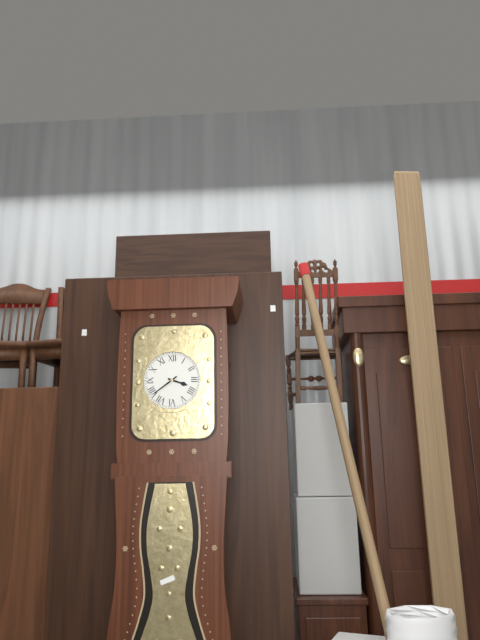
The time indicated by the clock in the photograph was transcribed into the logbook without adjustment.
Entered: 3:39
